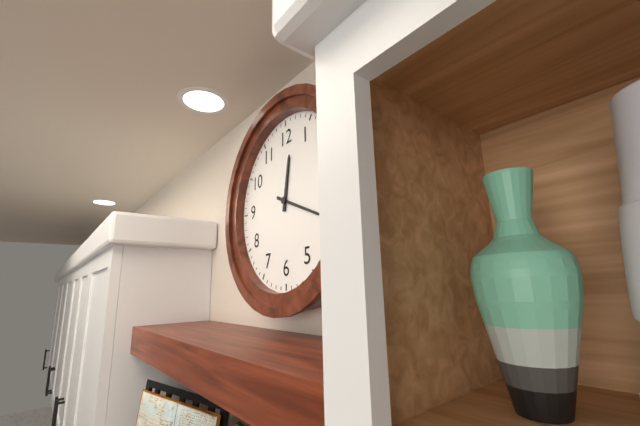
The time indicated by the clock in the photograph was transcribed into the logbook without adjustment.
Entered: 12:19
